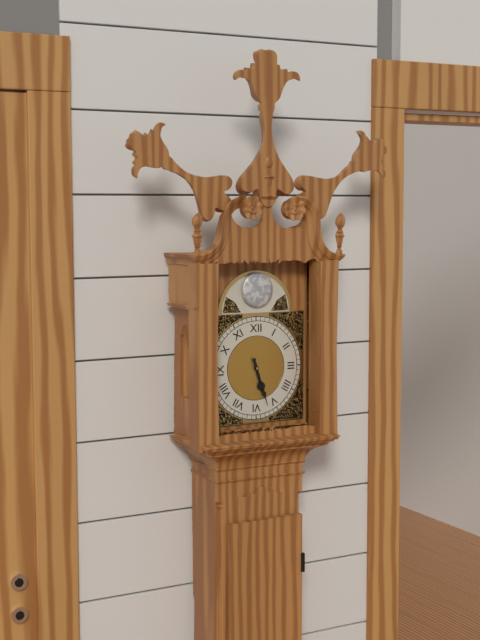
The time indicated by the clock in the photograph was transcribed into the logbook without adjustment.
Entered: 5:27
